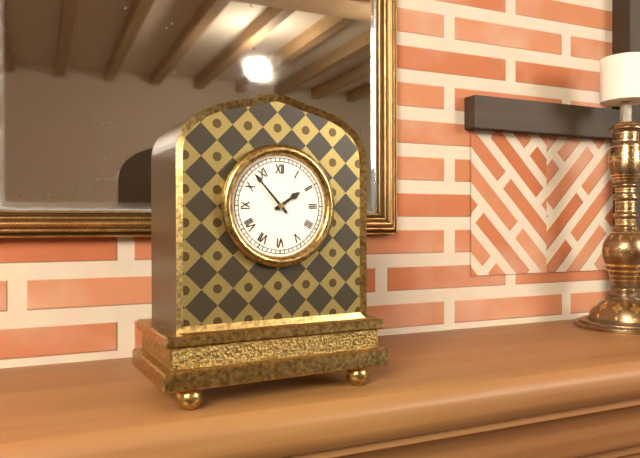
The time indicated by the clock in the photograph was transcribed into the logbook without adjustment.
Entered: 1:53
